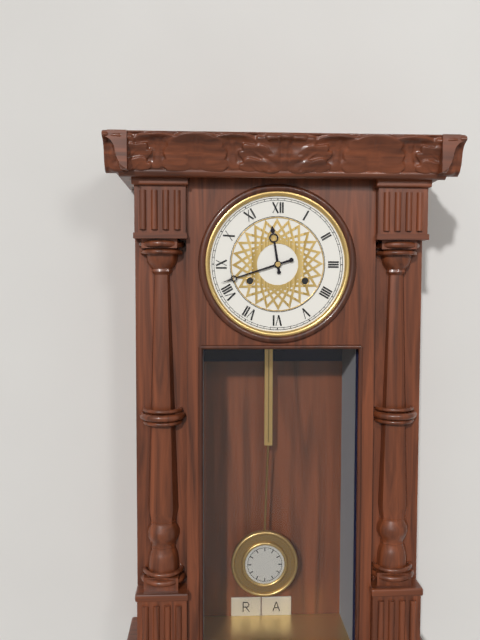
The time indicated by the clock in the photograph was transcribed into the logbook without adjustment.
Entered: 11:42
